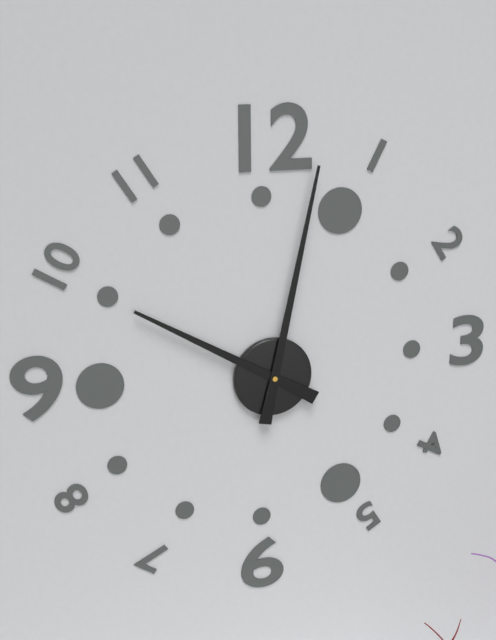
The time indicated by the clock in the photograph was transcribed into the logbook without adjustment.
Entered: 10:02
